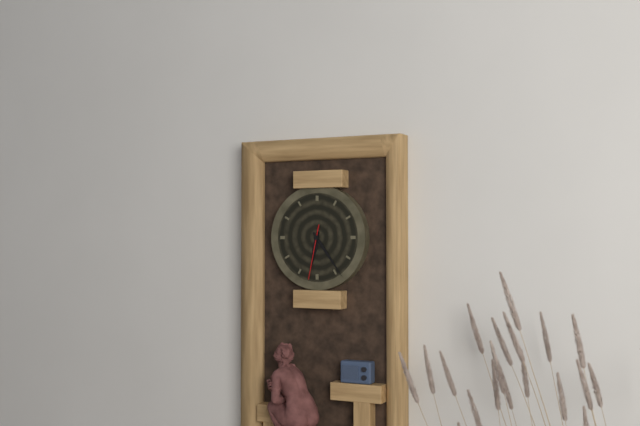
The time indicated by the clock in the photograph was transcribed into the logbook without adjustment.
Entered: 6:24:32
